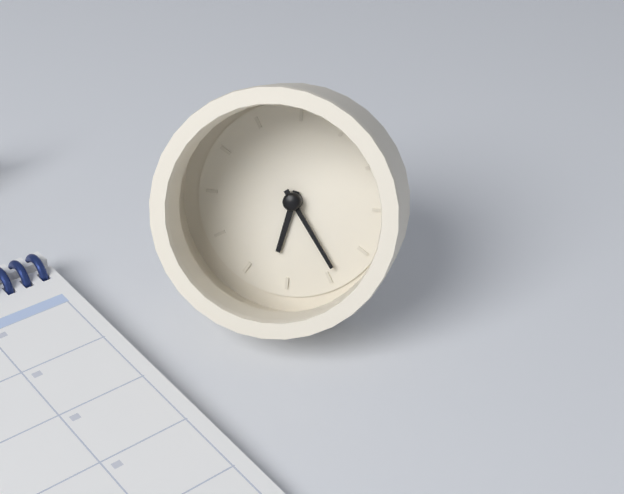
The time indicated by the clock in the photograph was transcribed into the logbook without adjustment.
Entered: 6:24
